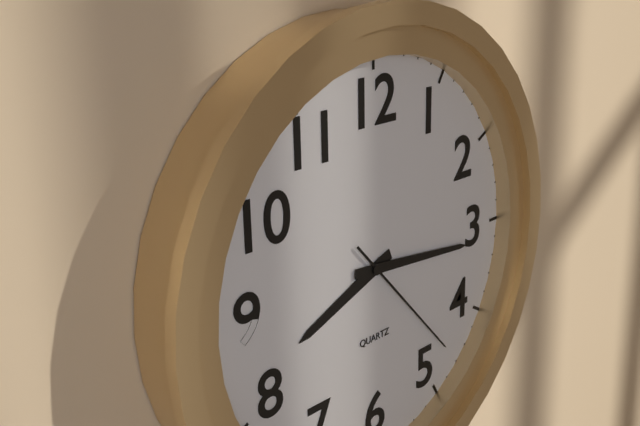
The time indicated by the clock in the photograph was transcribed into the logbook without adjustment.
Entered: 8:16:23
